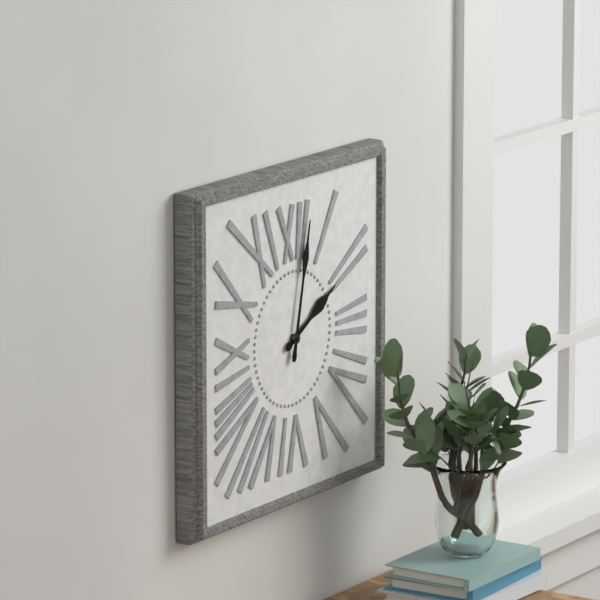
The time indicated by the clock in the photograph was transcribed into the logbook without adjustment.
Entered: 2:02
